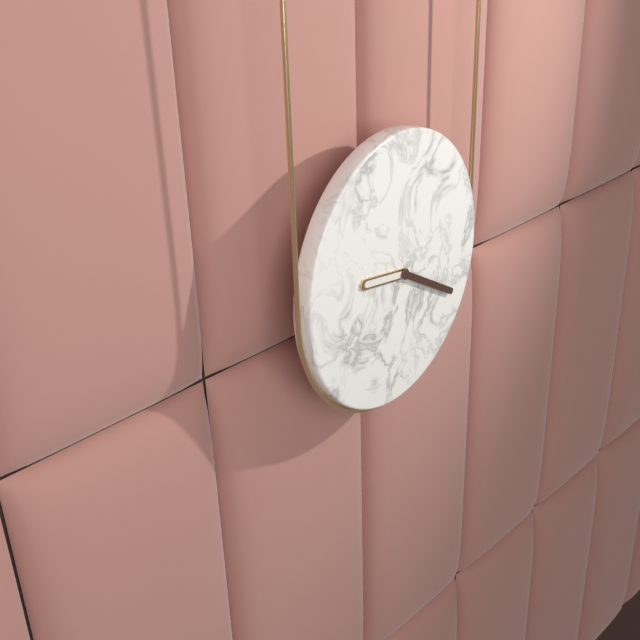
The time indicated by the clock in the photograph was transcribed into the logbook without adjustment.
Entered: 9:20
